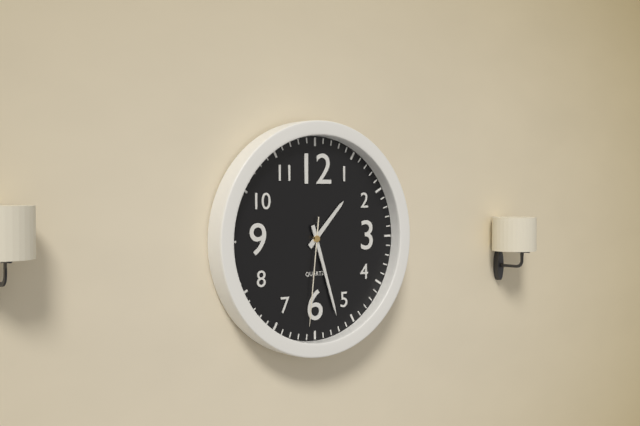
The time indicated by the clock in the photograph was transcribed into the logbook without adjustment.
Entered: 1:27:31
